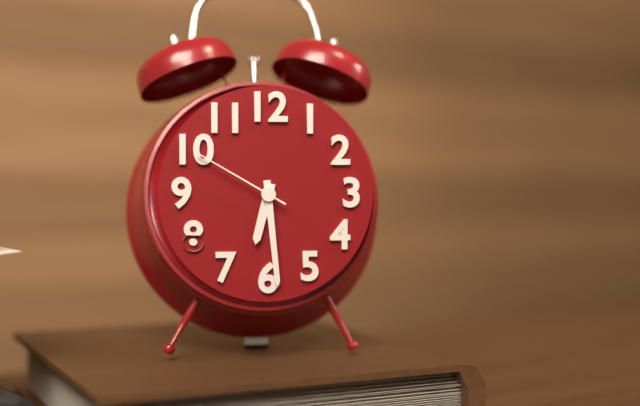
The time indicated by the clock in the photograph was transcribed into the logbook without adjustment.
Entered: 6:29:50
